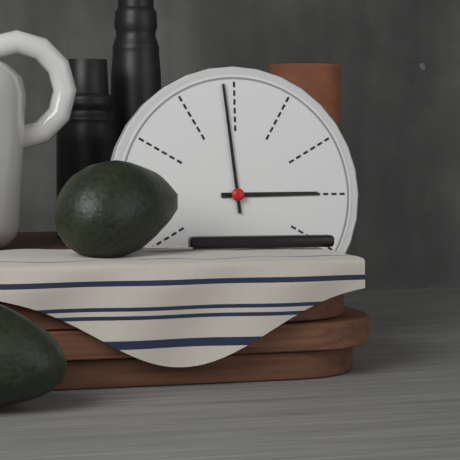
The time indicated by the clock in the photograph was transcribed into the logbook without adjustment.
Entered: 2:59
